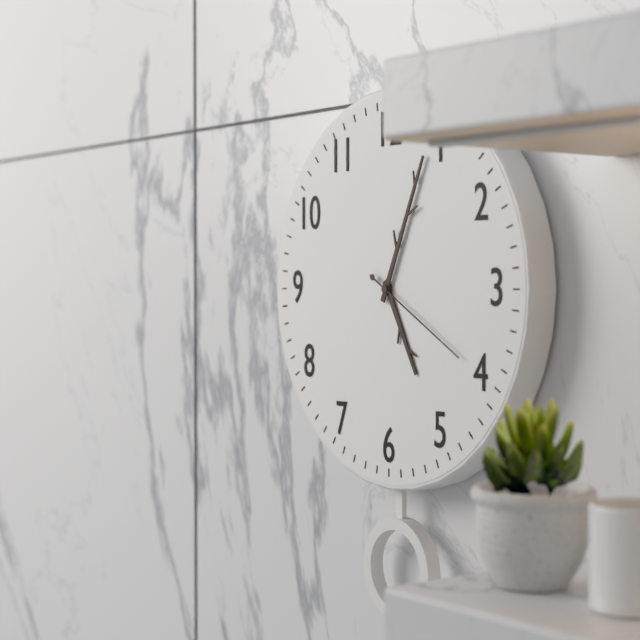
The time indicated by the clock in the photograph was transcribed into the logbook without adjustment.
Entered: 5:04:20
